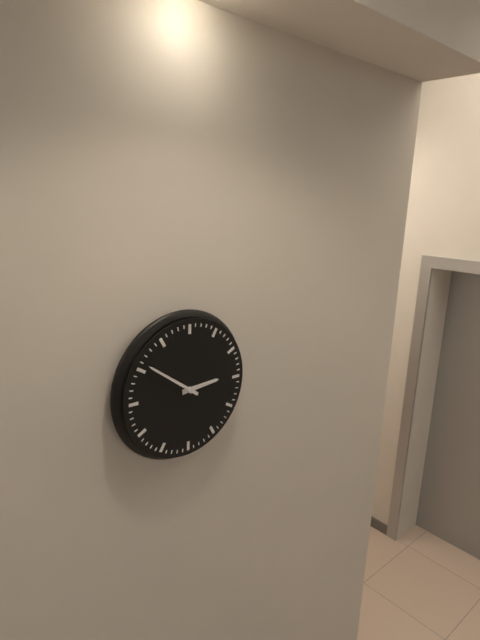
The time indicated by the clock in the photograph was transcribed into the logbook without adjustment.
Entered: 2:51
